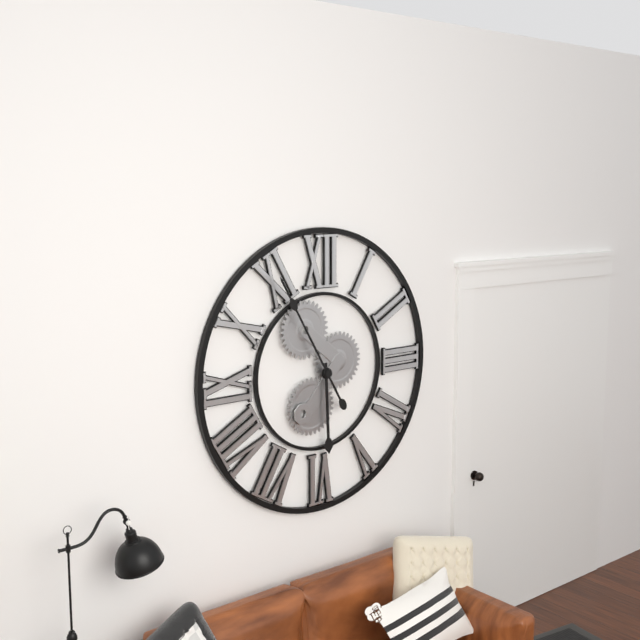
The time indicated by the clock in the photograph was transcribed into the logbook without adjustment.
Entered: 5:55
